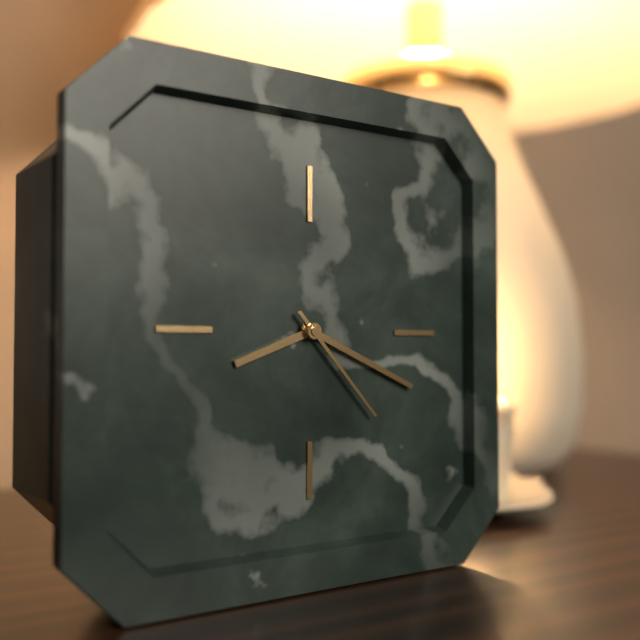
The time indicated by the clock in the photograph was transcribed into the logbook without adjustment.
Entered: 8:19:23
